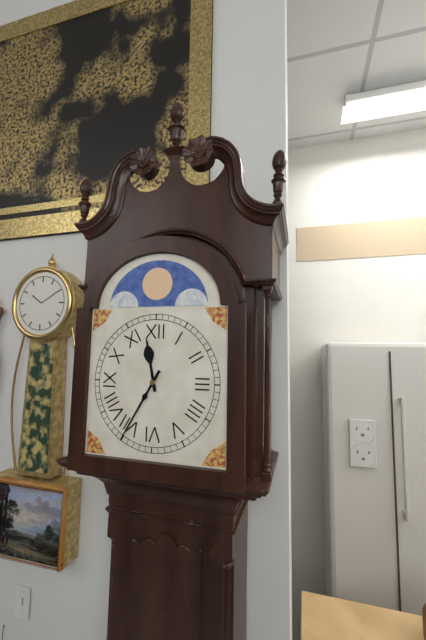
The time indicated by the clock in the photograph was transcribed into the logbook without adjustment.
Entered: 11:35
